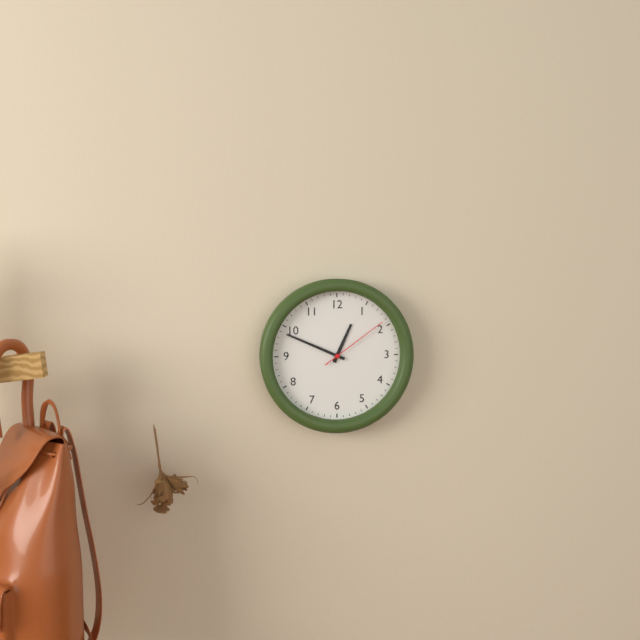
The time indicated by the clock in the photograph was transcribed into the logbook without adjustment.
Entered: 12:49:09
